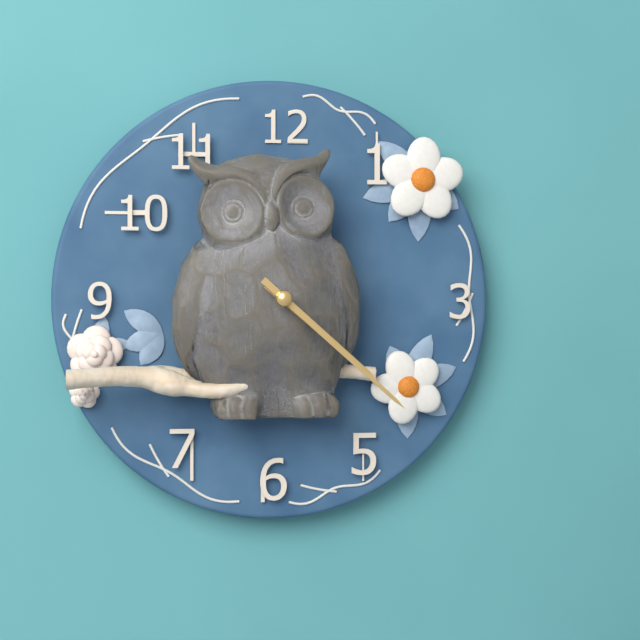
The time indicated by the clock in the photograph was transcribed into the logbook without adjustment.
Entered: 4:22
